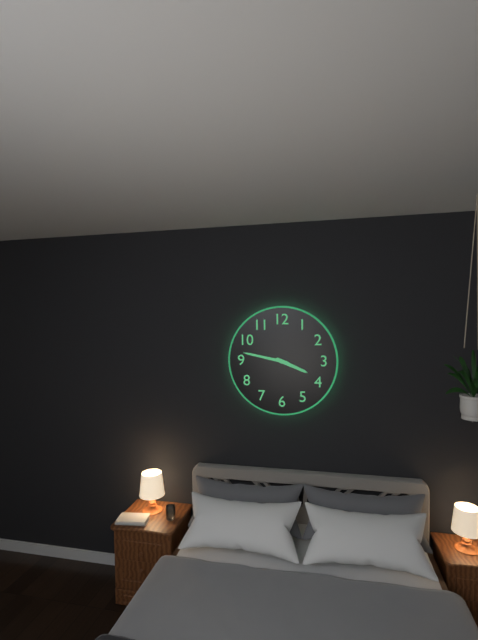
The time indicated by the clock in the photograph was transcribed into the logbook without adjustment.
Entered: 3:47
